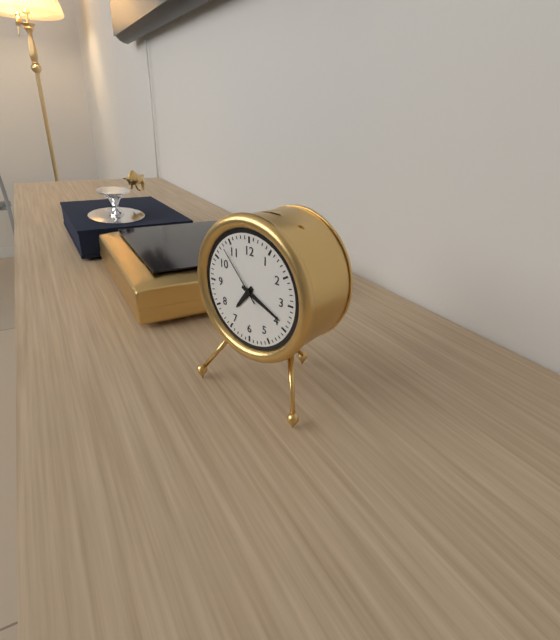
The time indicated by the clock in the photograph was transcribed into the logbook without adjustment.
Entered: 7:19:53
